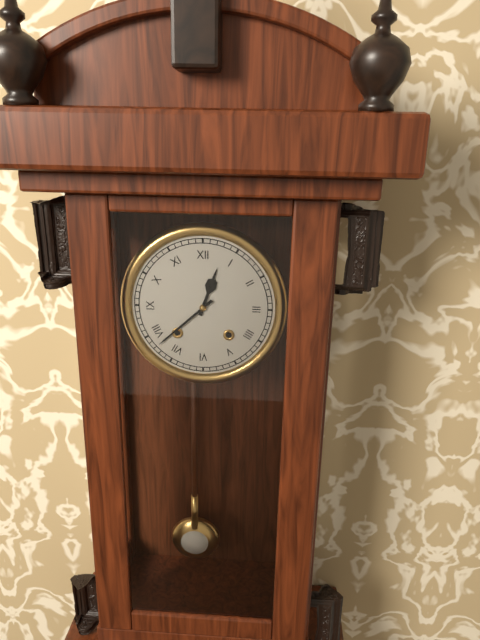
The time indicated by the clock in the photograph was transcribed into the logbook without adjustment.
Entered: 12:38
